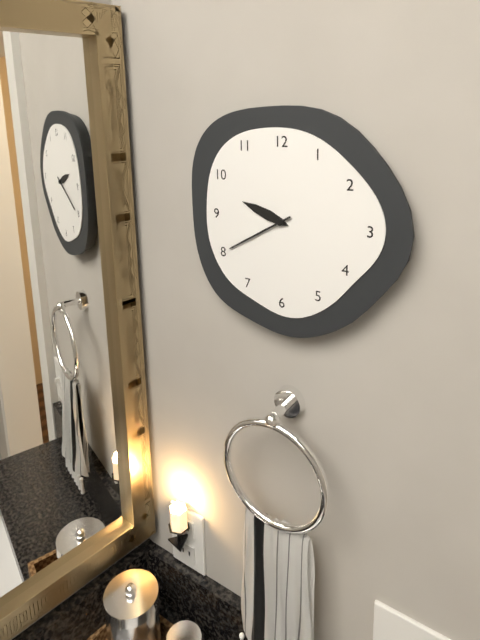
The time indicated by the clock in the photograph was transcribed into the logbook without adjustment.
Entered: 9:40
